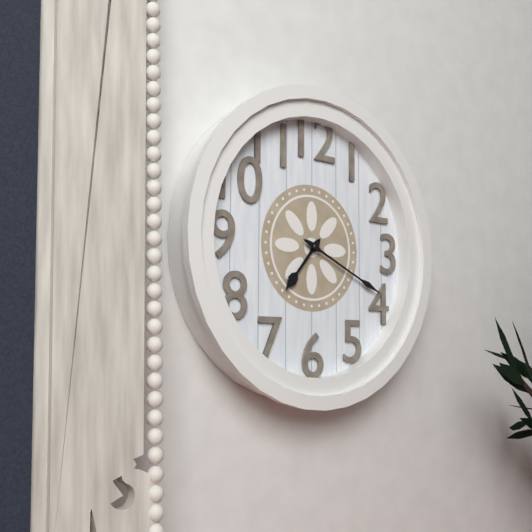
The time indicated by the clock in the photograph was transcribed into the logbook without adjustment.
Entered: 7:19
